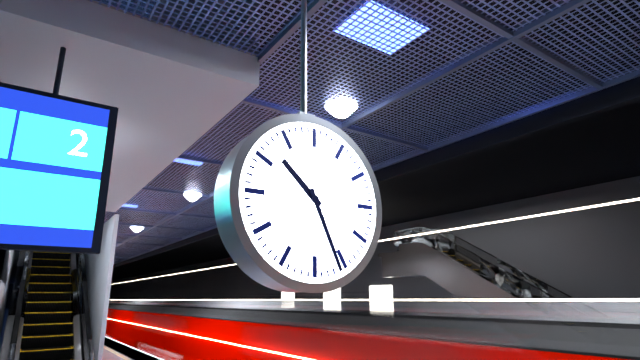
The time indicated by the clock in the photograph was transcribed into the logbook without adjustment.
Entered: 10:26
